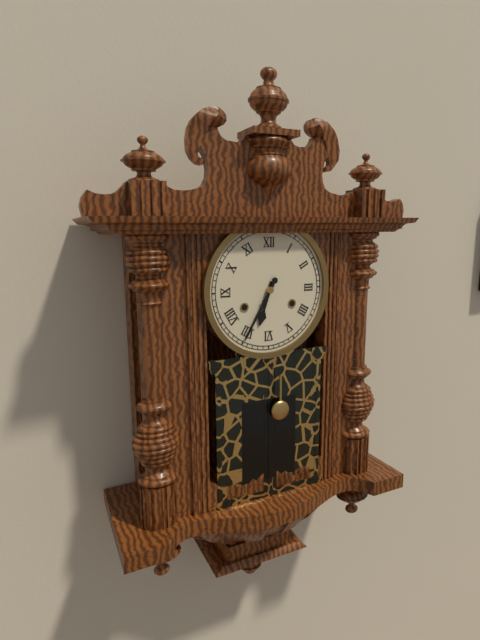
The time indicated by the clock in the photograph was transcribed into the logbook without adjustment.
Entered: 6:35
